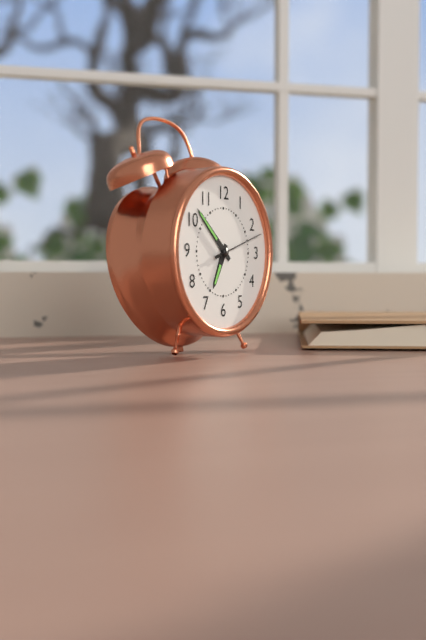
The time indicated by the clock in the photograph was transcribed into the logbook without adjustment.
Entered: 6:52:12
